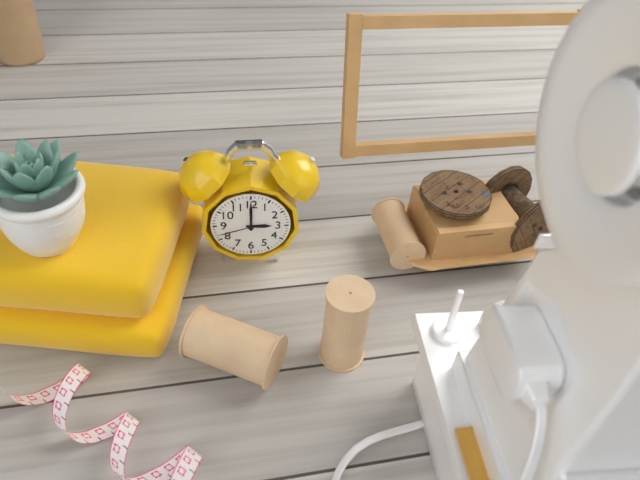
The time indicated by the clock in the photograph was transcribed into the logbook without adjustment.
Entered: 3:00
